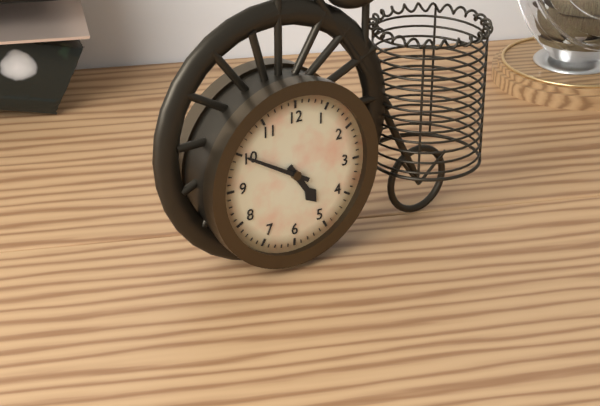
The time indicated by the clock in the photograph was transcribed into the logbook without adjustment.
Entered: 4:50
